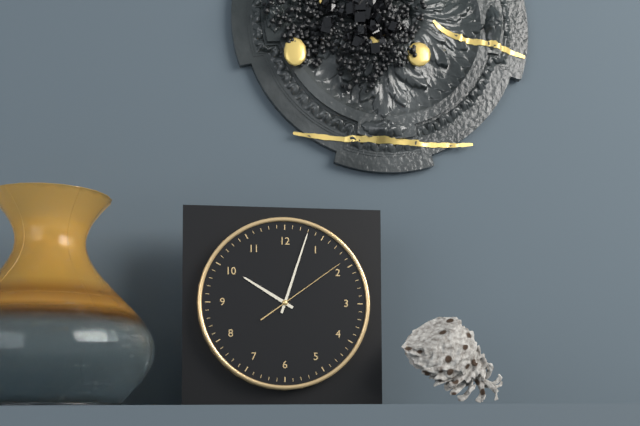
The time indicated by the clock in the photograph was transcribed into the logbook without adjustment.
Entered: 10:03:09
